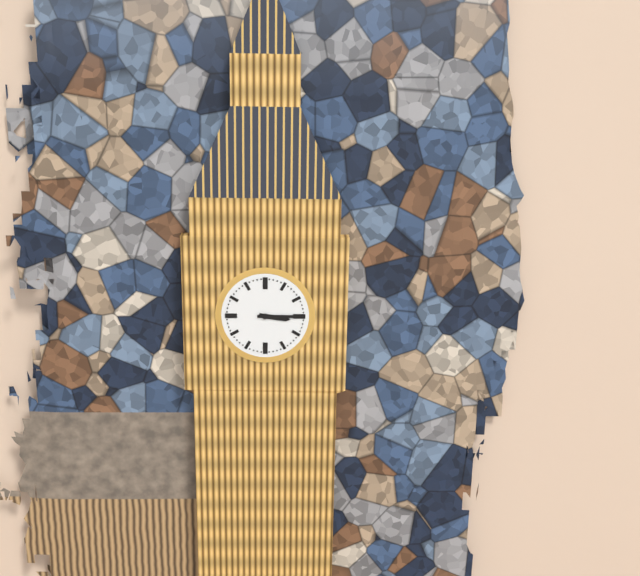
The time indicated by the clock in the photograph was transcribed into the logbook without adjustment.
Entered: 3:15
